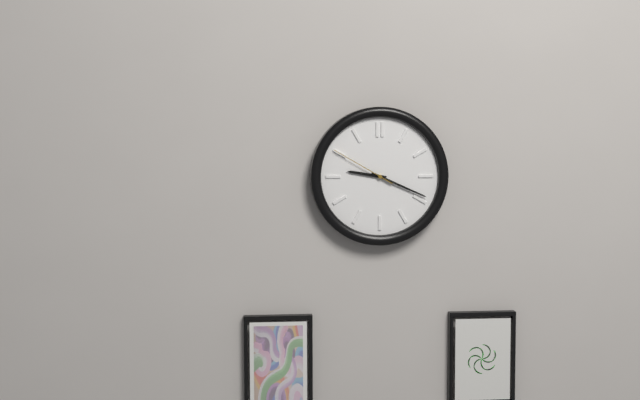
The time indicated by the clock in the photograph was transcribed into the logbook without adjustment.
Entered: 9:19:50
